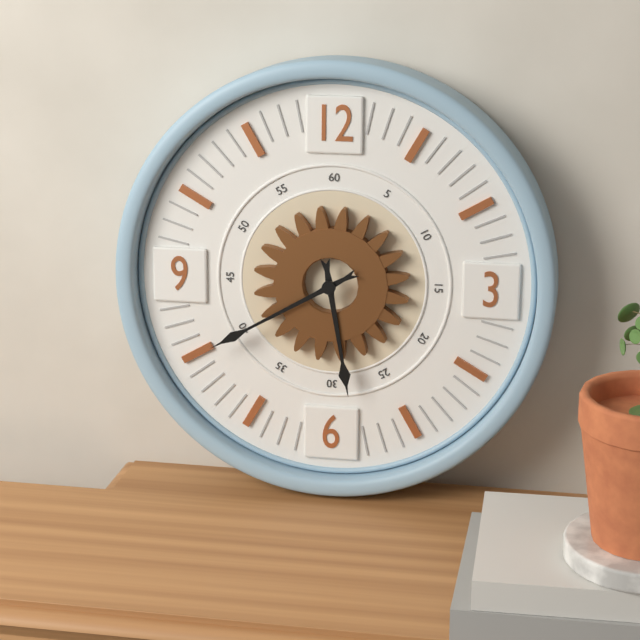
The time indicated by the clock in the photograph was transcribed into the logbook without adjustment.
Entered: 5:40
